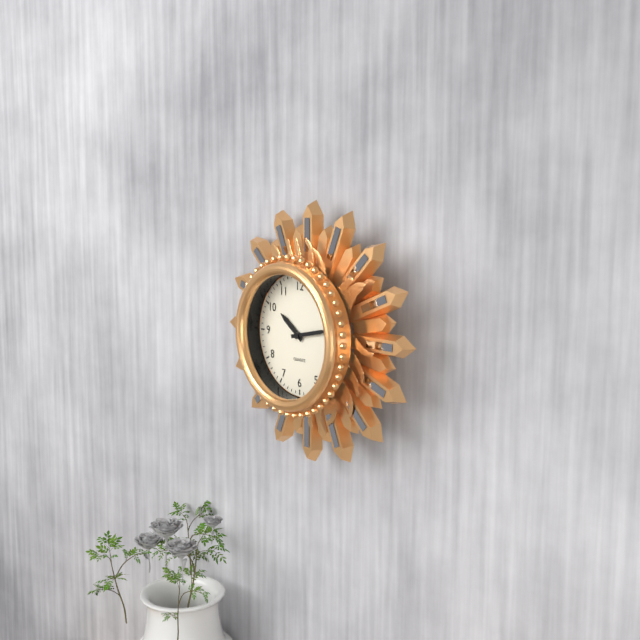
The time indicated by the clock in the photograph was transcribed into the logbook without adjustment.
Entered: 10:13
